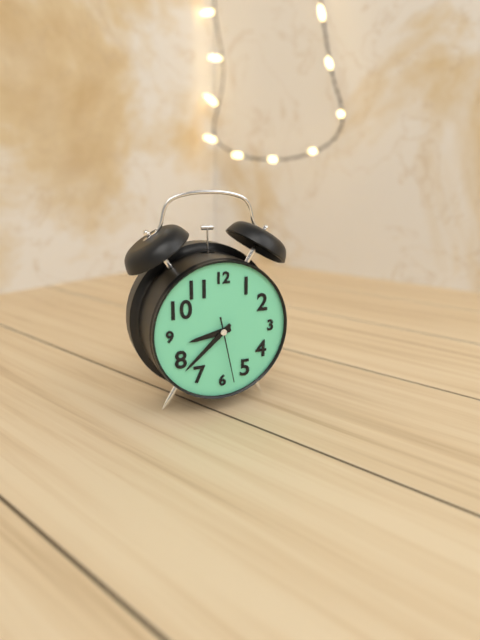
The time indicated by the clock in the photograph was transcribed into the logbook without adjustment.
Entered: 8:38:28
